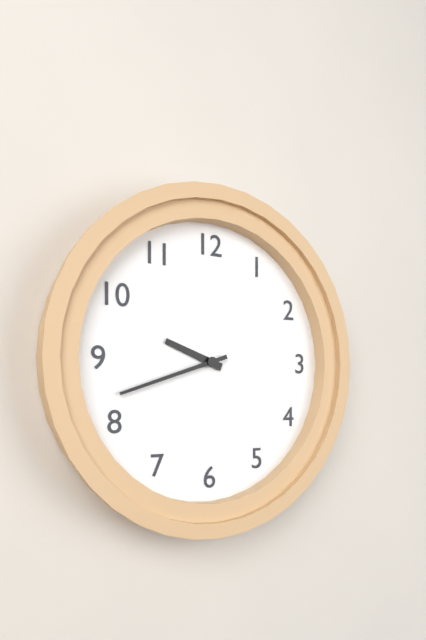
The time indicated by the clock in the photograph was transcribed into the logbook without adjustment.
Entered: 9:42
